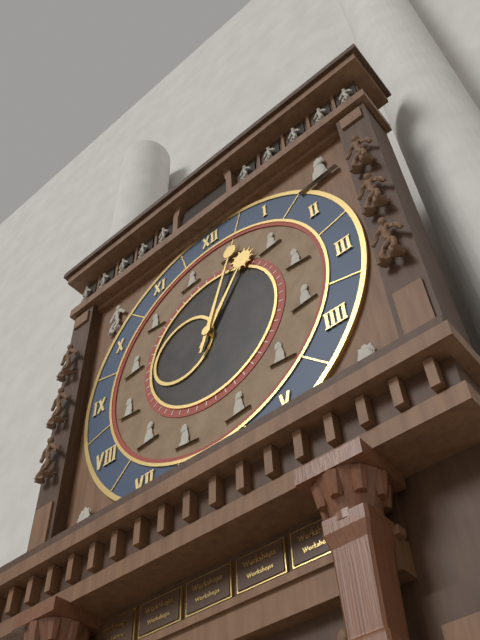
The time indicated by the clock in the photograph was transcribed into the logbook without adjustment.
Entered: 1:03
